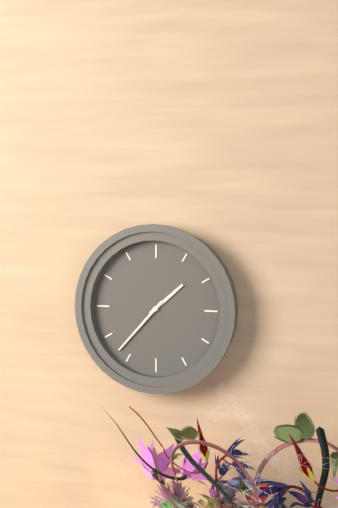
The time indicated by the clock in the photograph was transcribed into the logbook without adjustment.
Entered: 1:37
